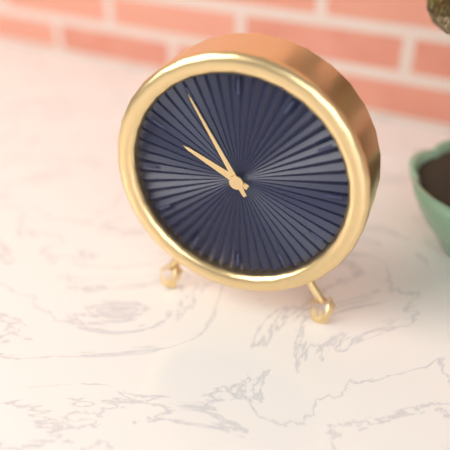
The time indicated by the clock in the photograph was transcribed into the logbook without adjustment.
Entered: 9:55
